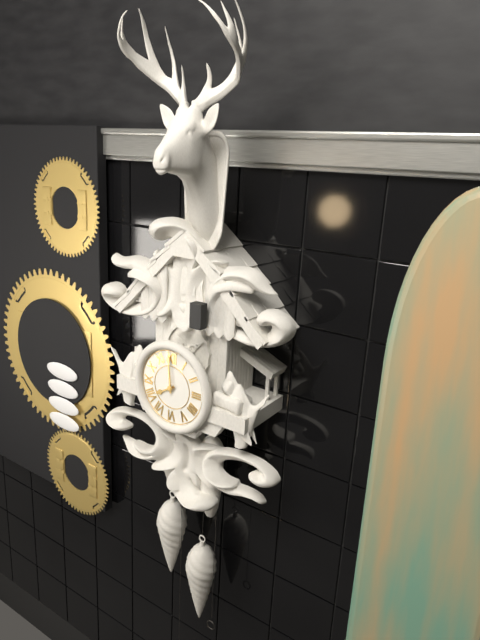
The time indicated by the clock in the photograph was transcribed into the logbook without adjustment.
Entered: 7:59
